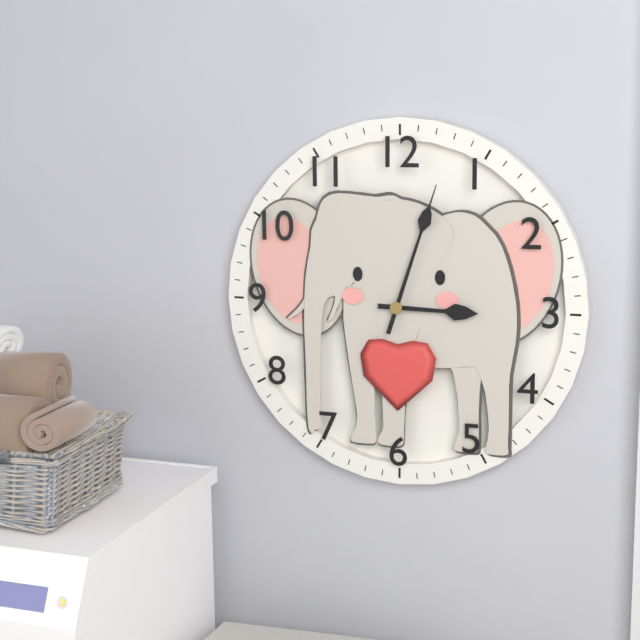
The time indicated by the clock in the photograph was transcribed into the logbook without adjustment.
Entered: 3:03
